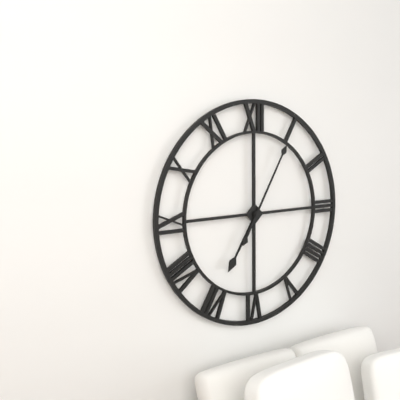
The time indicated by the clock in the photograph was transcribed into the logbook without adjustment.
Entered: 7:05
